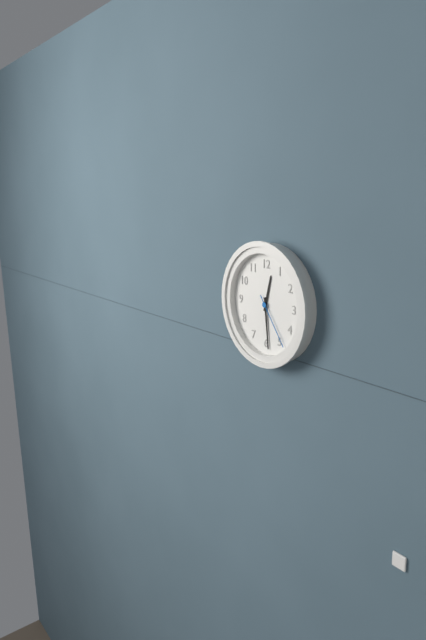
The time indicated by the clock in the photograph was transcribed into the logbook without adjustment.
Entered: 12:29:24
